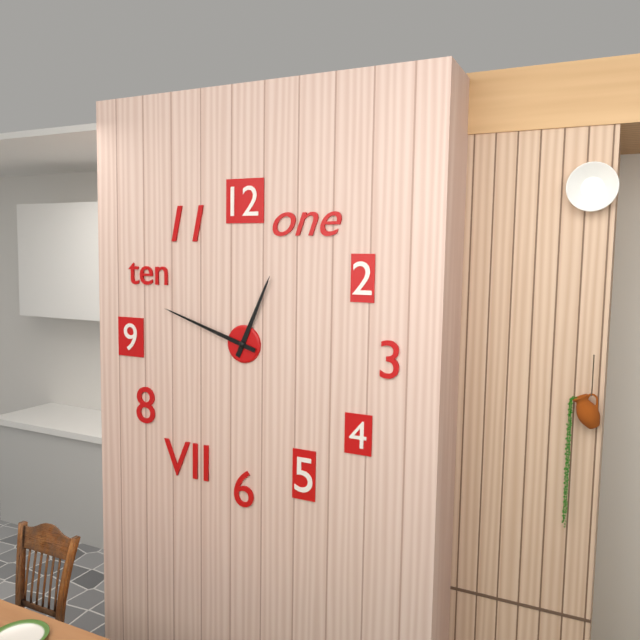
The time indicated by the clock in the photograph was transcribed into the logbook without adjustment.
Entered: 12:48
